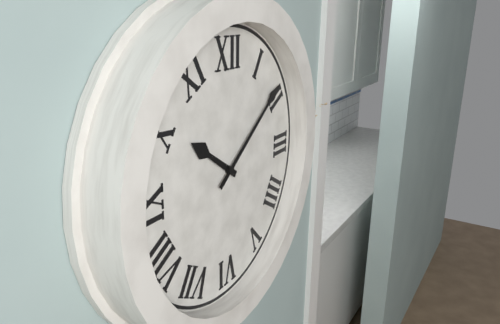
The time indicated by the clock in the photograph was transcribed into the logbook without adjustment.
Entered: 10:09
